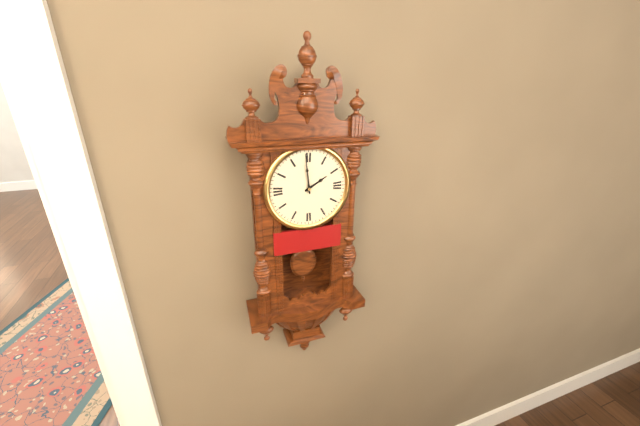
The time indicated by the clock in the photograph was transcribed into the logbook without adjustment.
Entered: 1:59
